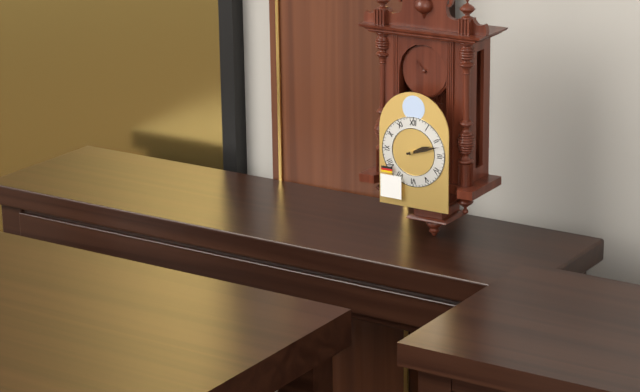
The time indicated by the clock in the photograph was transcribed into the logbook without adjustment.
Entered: 2:12
